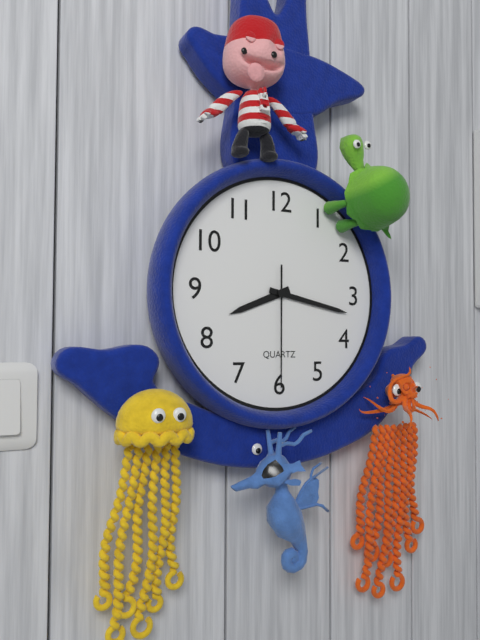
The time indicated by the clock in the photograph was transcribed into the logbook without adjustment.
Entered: 8:17:30
